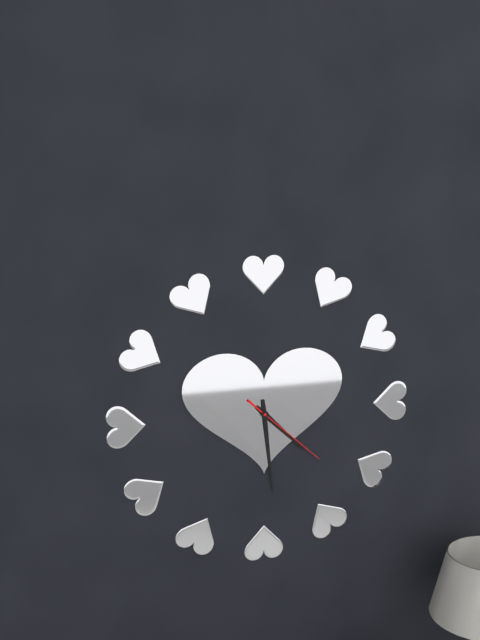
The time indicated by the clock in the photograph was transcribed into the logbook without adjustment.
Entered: 4:29:22
